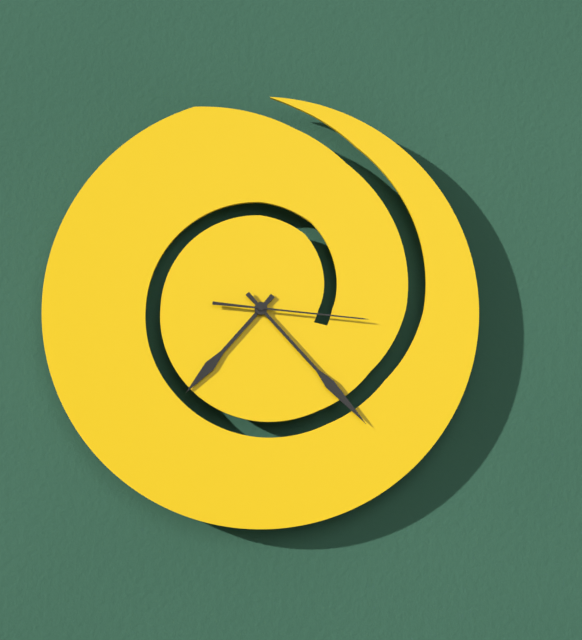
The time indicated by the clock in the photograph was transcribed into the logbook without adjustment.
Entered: 7:23:16
